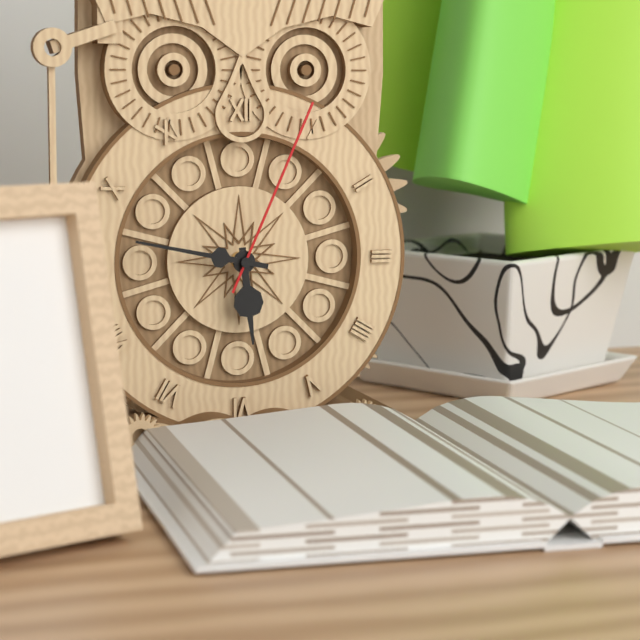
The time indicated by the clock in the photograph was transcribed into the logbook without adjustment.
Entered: 5:47:04
